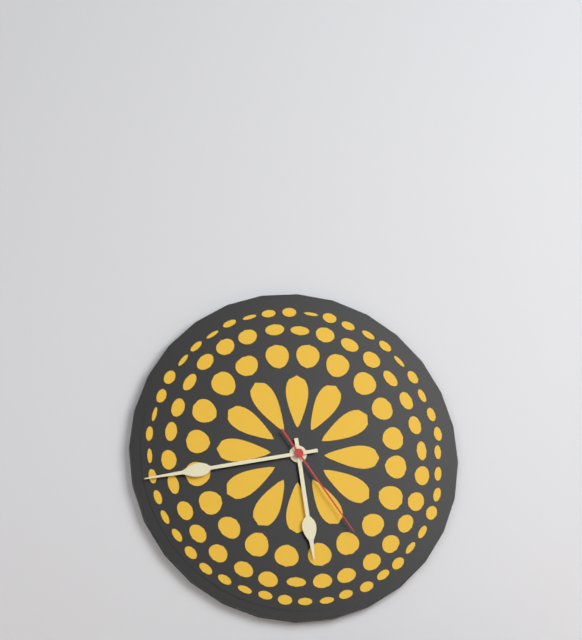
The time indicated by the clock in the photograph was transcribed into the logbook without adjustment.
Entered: 5:43:24
